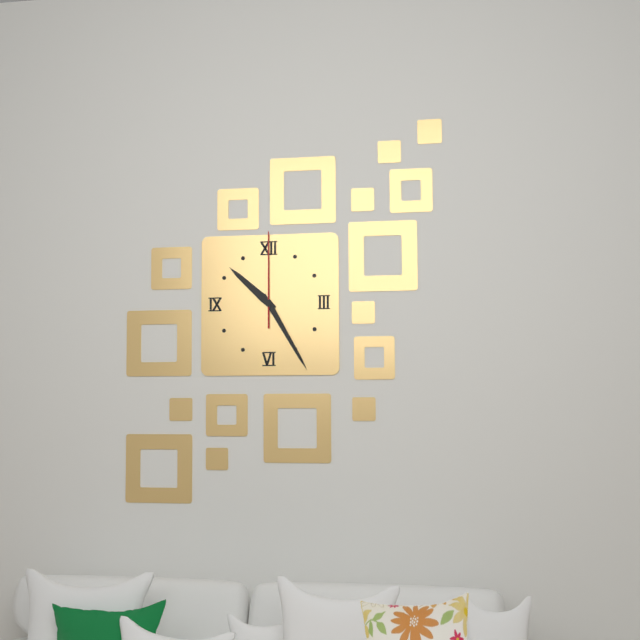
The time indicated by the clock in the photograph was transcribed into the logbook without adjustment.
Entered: 10:25:00
